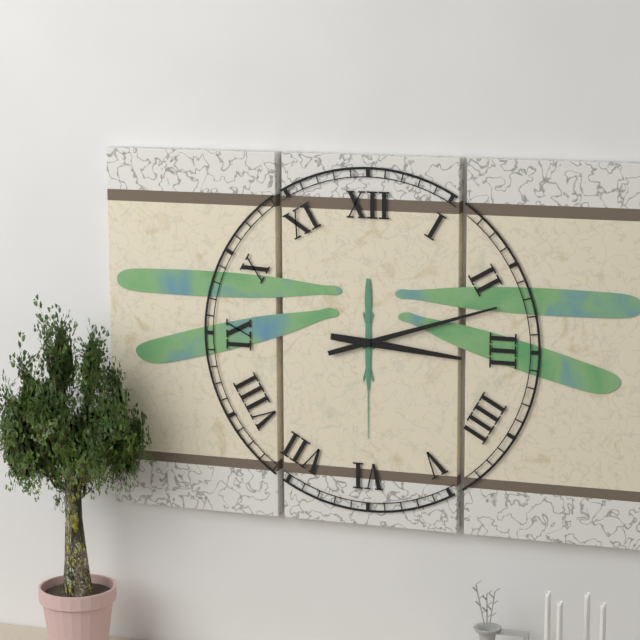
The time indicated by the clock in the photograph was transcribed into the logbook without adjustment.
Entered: 3:12
